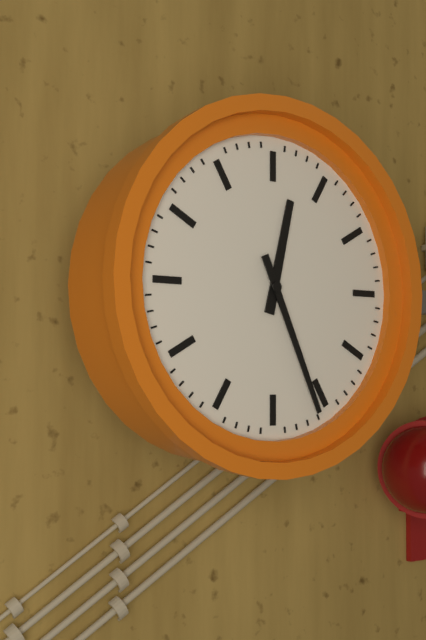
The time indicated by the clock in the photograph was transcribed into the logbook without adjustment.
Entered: 12:26
